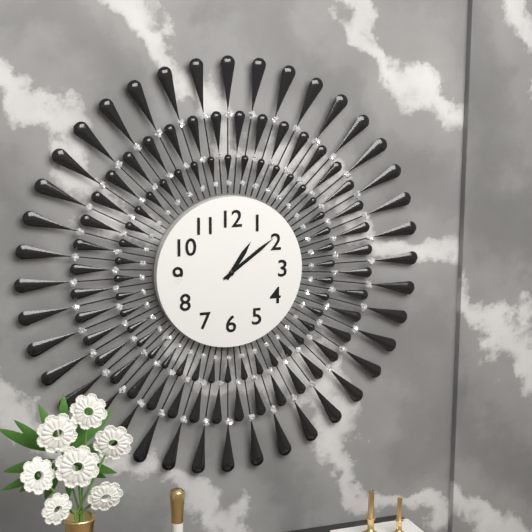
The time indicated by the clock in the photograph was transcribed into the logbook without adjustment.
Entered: 1:09
